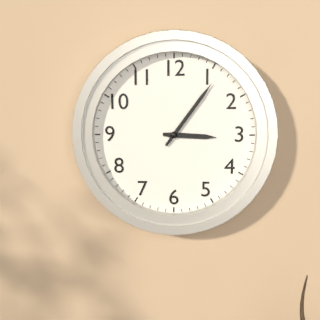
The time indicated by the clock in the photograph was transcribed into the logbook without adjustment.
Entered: 3:06
